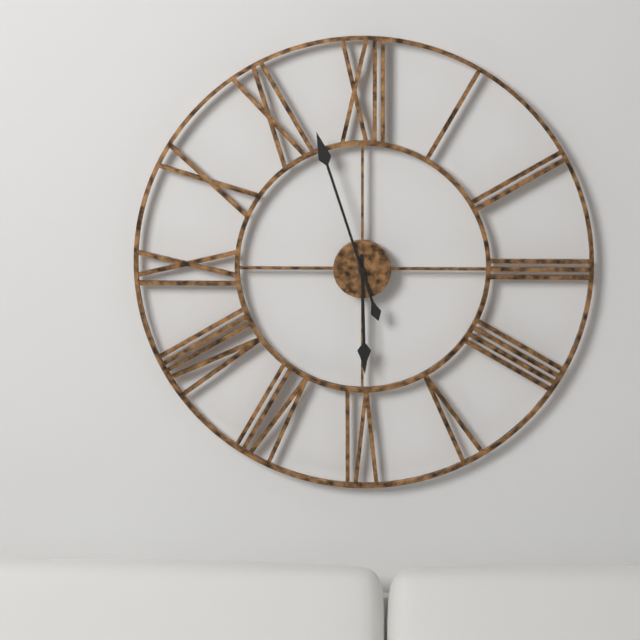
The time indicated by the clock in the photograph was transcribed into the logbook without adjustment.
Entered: 5:57
